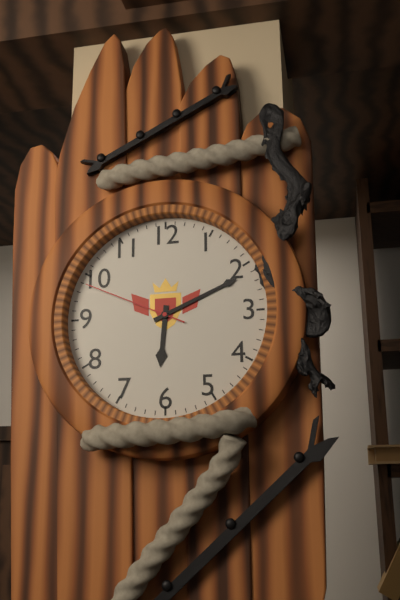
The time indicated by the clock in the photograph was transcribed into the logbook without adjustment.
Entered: 6:11:49
